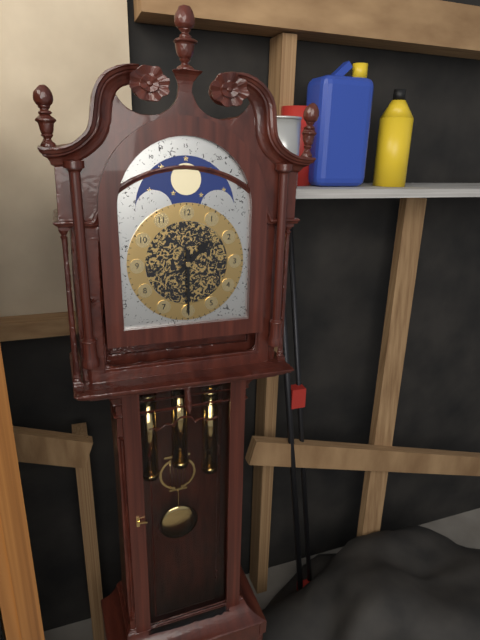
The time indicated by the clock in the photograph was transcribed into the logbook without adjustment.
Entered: 1:30
